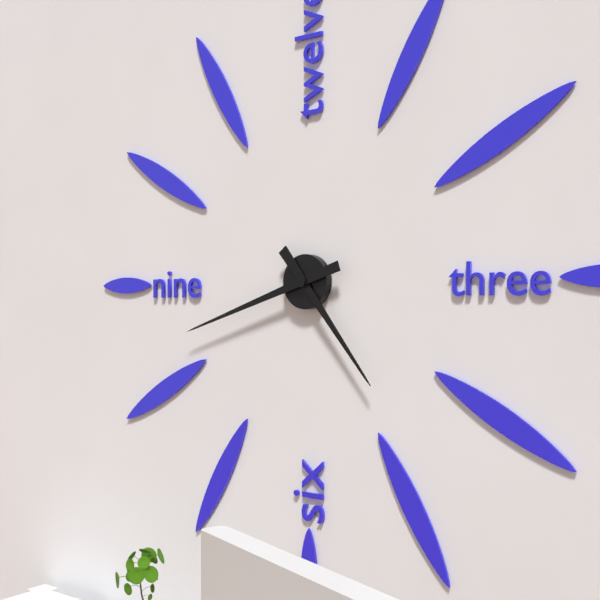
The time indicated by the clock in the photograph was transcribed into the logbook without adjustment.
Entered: 4:42
